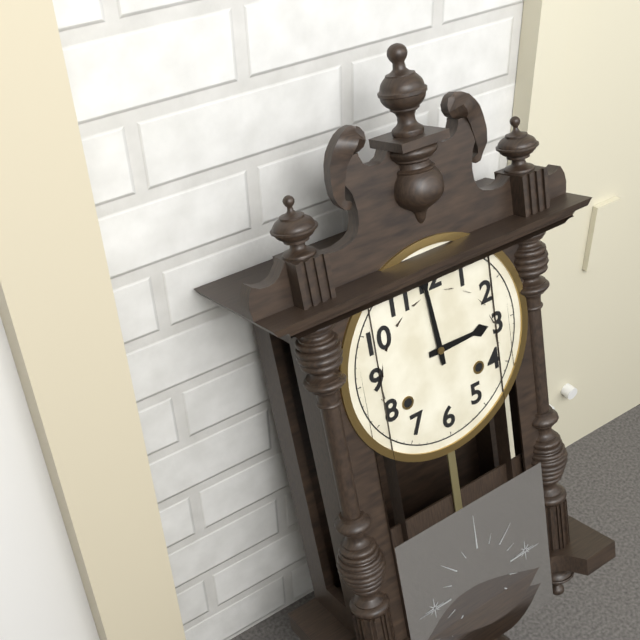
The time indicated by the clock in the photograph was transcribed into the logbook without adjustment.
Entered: 2:59
